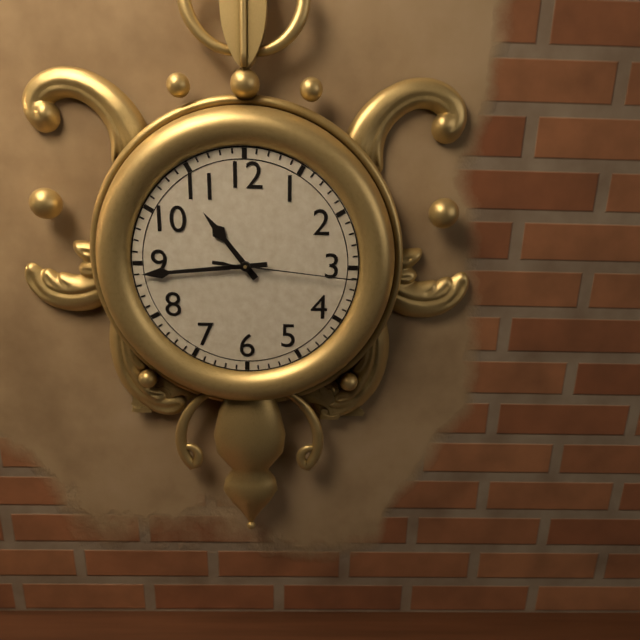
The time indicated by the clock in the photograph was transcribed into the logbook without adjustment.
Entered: 10:44:16
